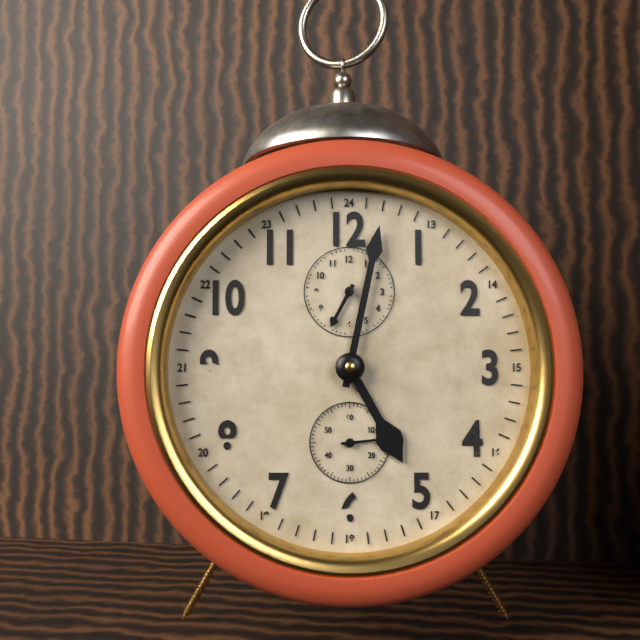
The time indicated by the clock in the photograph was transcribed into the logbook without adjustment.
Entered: 5:02
